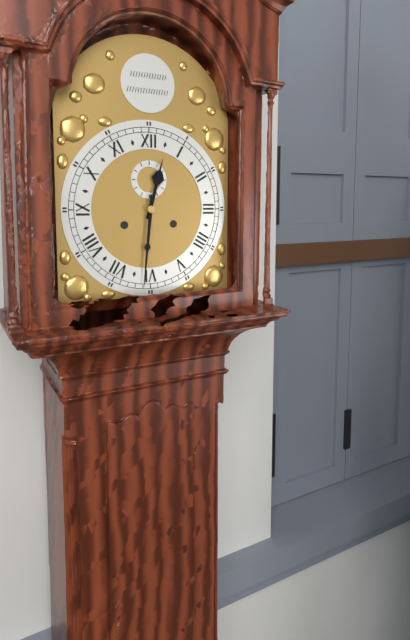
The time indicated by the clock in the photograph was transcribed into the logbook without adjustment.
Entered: 12:31
